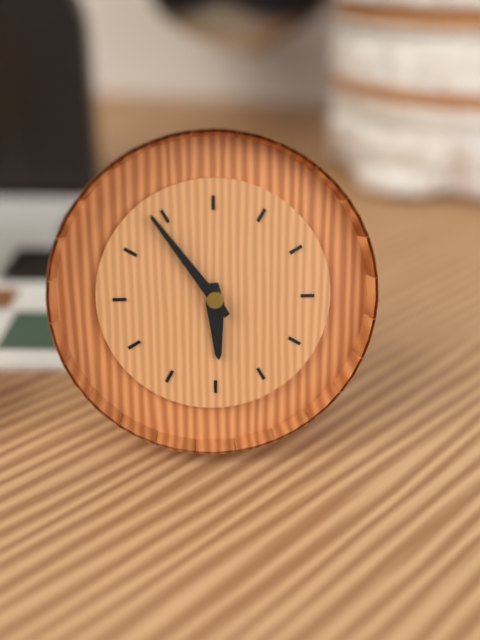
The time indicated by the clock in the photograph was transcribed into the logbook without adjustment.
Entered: 5:54
